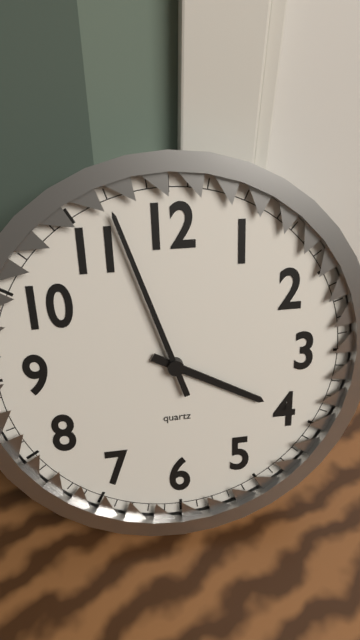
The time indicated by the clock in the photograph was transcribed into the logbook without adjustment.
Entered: 3:57
